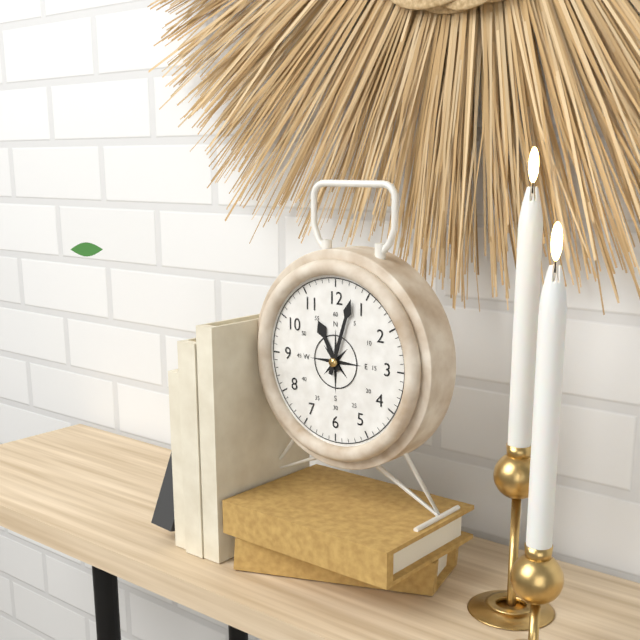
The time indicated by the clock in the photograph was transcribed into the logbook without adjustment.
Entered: 11:03
